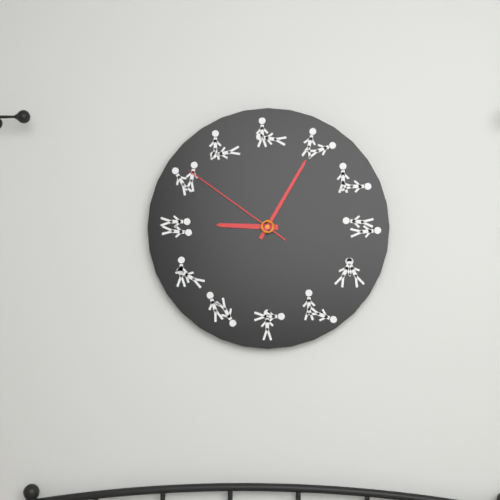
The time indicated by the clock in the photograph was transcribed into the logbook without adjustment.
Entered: 9:05:51
